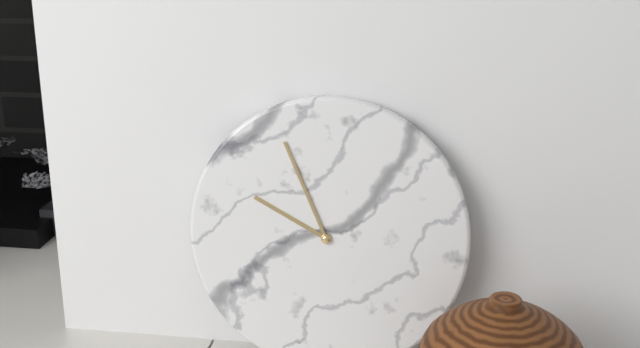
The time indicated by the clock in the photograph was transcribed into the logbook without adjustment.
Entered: 9:56
